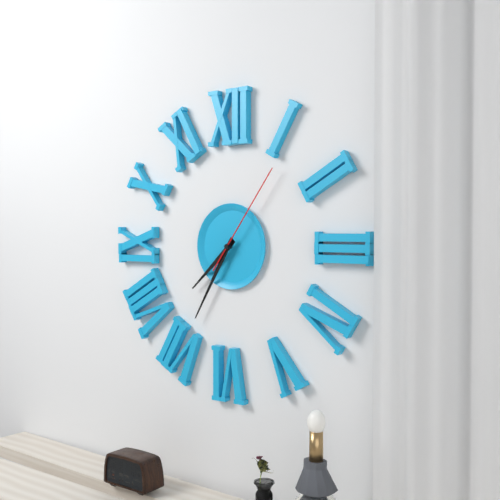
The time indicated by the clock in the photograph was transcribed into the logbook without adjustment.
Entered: 7:35:06
